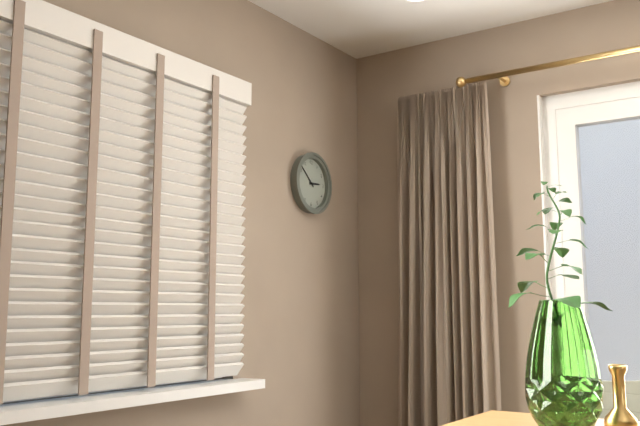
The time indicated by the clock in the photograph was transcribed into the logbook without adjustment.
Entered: 2:52
